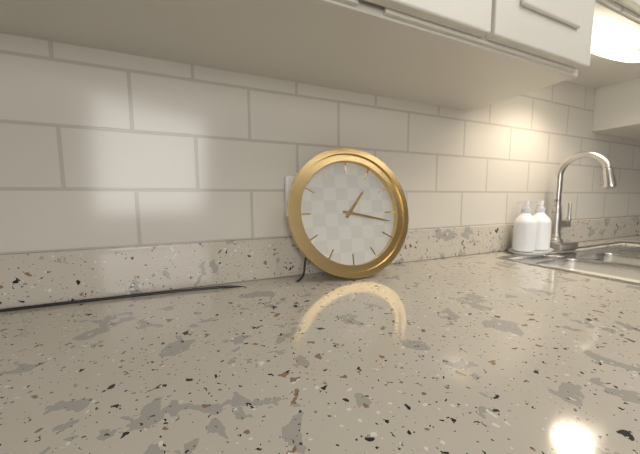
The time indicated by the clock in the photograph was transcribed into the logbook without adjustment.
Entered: 1:17
